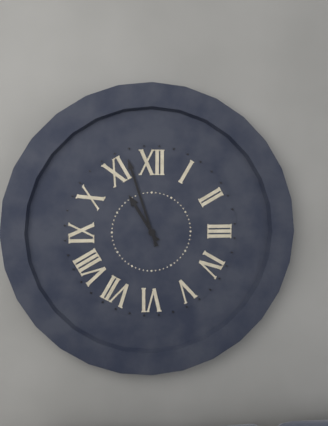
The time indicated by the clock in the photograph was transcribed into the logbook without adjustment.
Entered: 10:57
